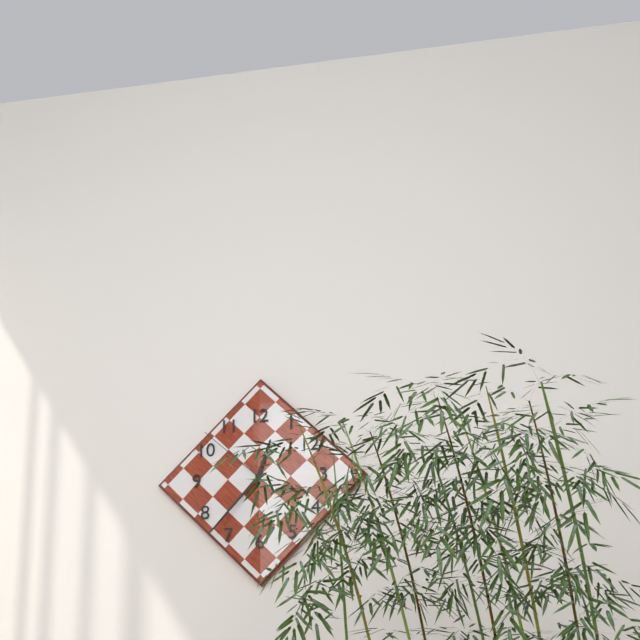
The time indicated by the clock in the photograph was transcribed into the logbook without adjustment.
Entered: 12:37:52
